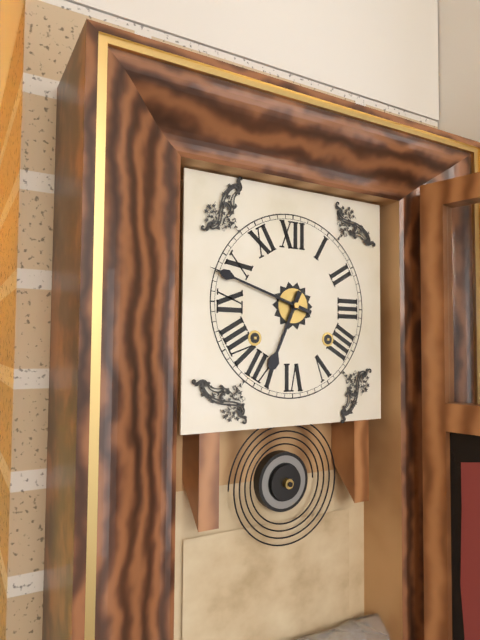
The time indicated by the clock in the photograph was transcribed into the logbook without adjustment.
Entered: 6:48
